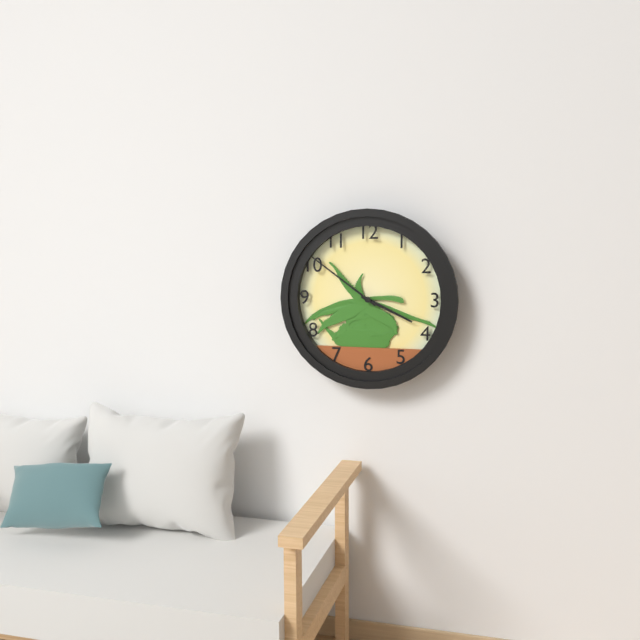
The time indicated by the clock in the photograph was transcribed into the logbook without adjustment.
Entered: 3:51
